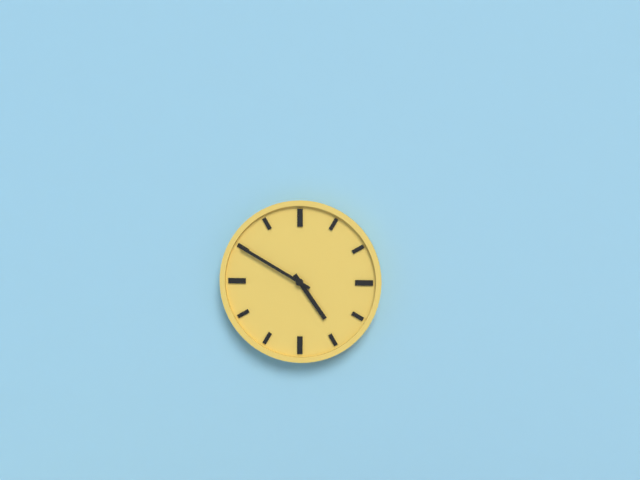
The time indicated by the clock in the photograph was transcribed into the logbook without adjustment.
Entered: 4:50
